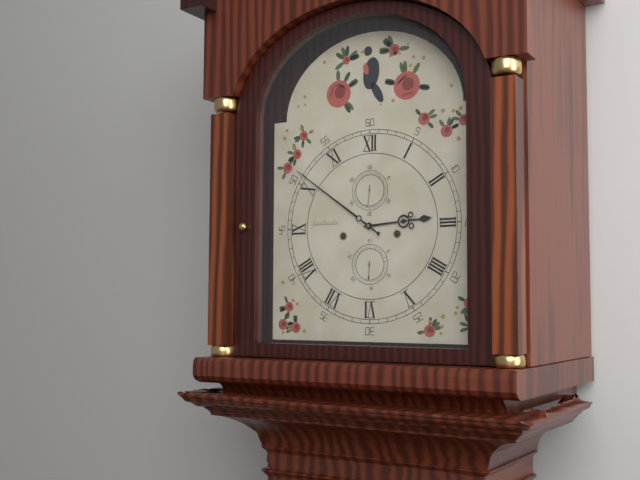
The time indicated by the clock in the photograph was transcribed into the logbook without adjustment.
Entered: 2:51
